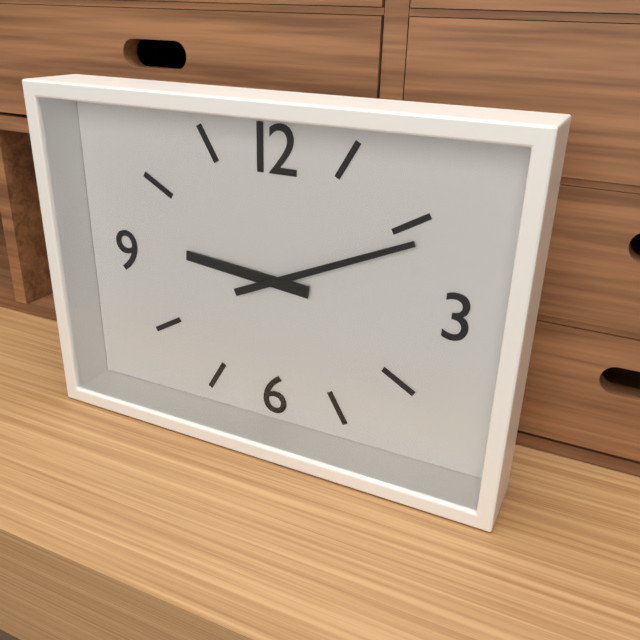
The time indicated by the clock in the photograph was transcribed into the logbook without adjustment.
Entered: 9:11
